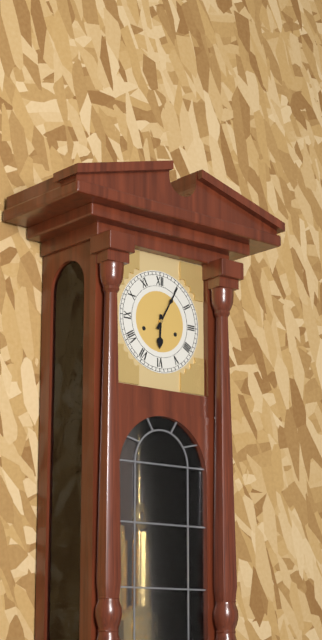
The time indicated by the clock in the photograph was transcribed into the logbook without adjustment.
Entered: 6:05
